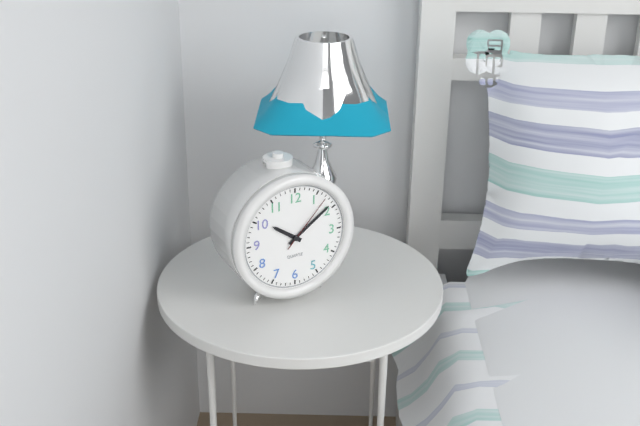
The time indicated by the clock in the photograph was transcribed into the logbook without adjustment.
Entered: 10:09:07
